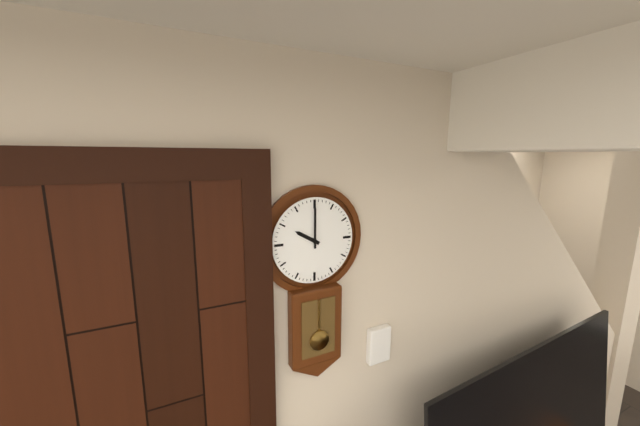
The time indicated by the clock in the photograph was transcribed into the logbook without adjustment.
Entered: 10:00
